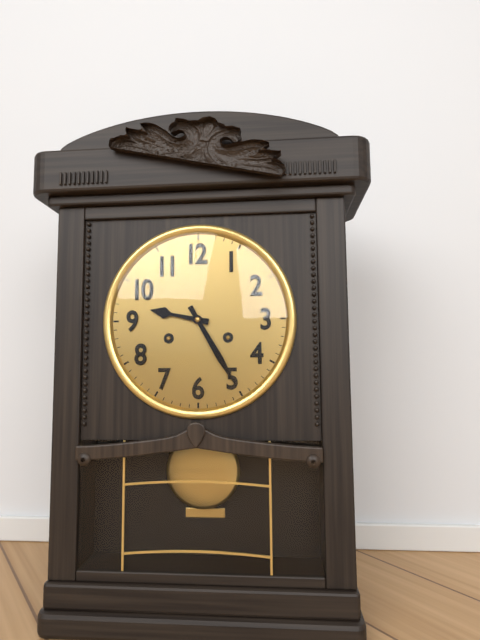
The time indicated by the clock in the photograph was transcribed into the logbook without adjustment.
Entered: 9:25
